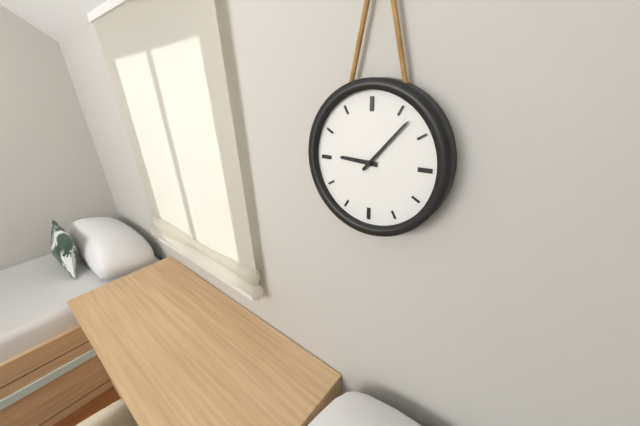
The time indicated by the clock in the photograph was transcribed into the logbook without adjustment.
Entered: 9:07
